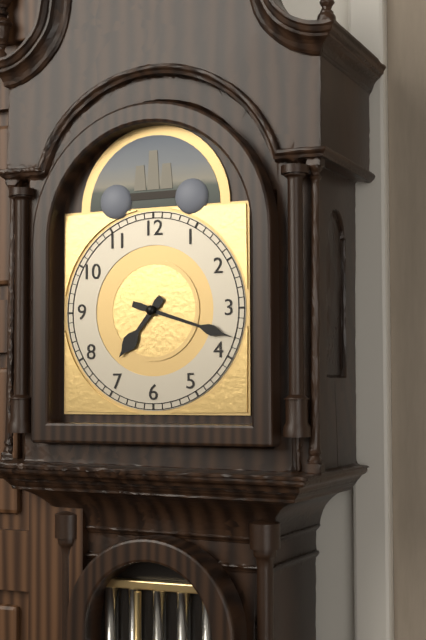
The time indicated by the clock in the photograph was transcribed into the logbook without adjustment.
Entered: 7:18
